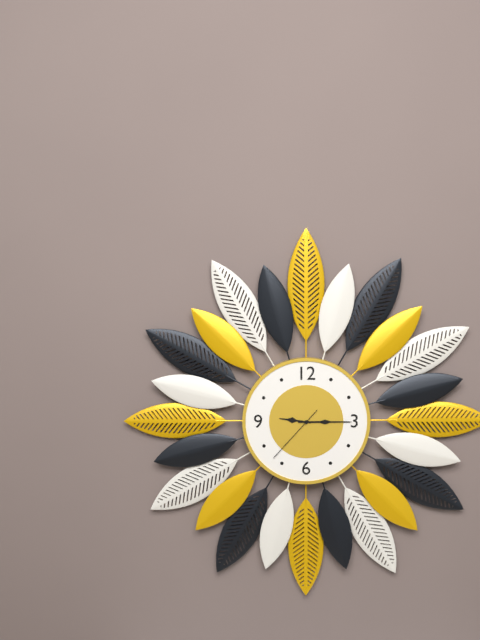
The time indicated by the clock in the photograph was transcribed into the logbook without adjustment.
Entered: 9:15:37
